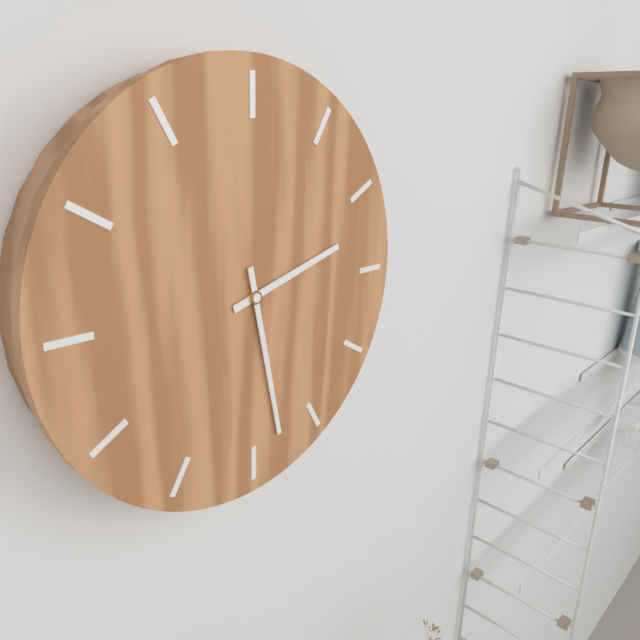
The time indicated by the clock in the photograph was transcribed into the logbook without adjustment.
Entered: 2:28
